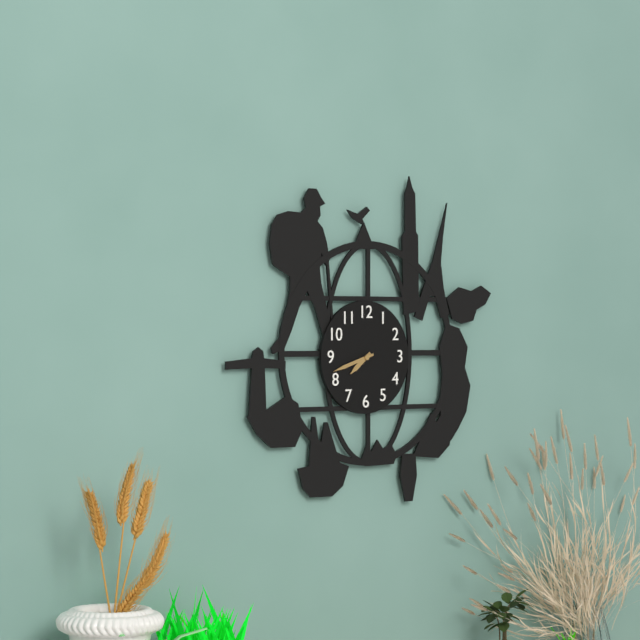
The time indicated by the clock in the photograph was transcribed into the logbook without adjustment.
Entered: 7:42
